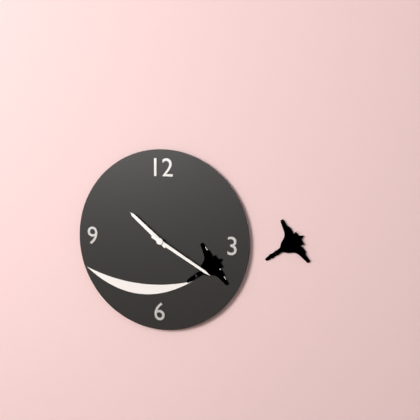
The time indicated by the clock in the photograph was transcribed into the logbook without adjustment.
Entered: 10:20
